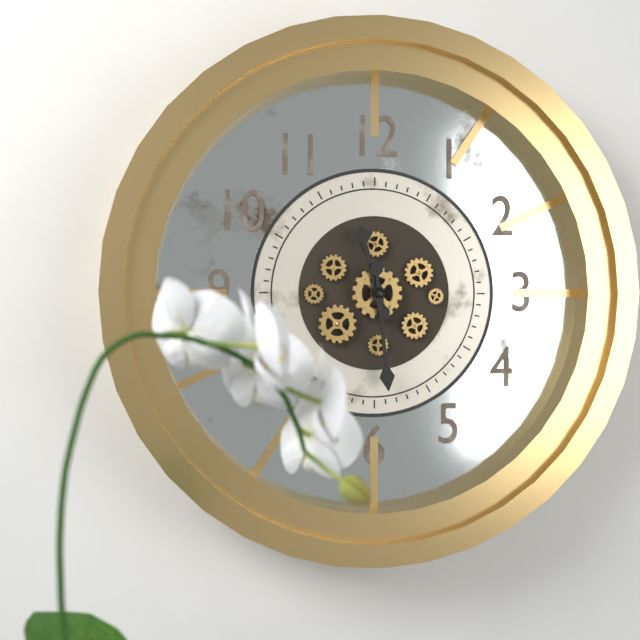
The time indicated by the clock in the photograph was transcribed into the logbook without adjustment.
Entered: 11:29
